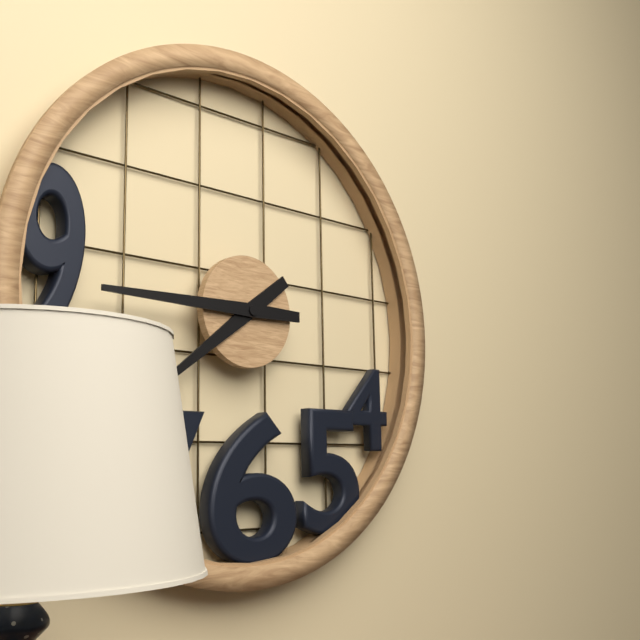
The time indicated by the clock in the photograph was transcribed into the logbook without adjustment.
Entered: 7:45
